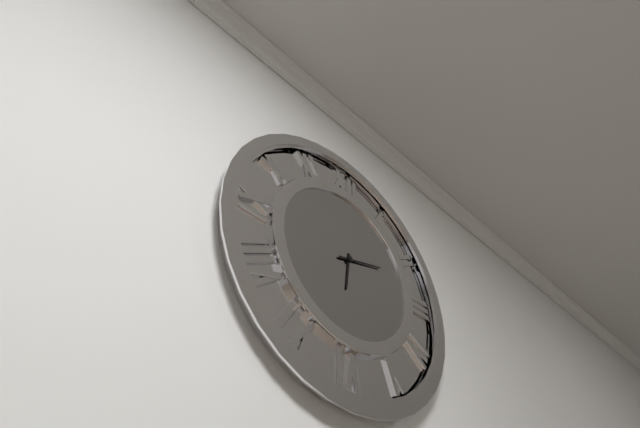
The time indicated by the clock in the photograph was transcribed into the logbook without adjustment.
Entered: 6:12
